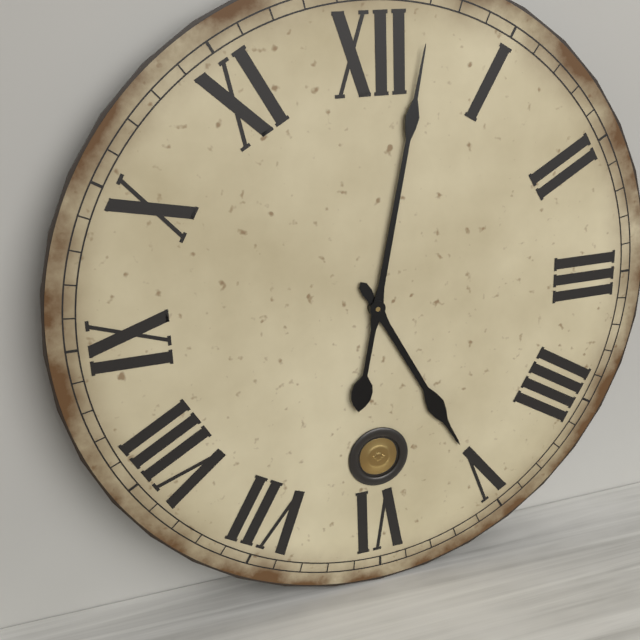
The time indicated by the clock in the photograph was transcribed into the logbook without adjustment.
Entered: 5:02
